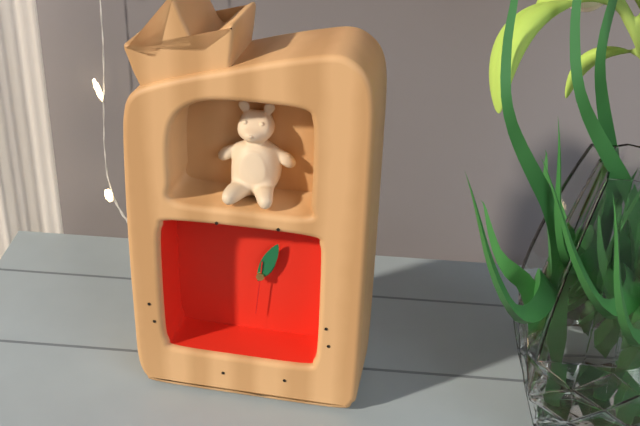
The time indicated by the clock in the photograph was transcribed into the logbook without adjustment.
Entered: 1:04:31
